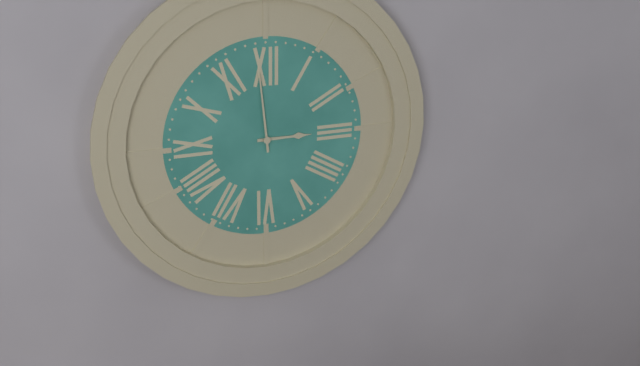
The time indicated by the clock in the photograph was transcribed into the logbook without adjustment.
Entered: 2:59
